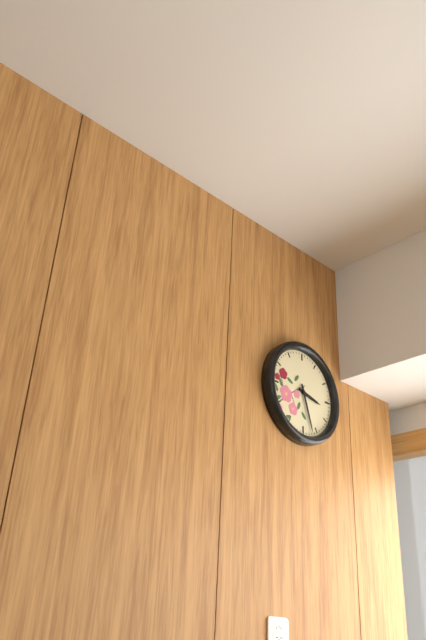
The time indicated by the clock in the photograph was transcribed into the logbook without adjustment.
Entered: 3:27
